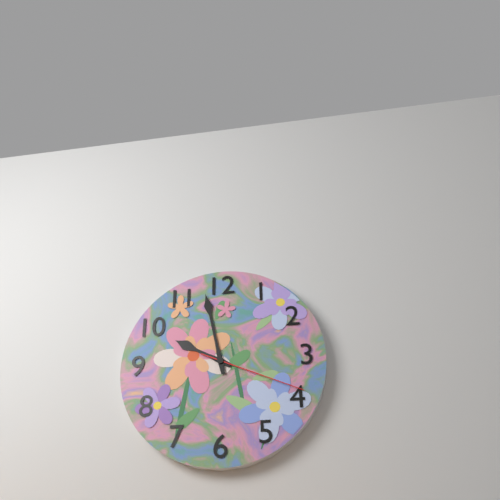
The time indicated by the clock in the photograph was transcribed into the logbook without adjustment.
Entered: 9:58:19
